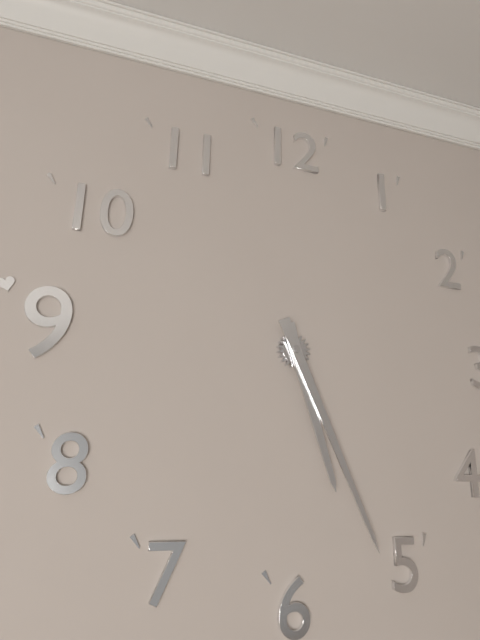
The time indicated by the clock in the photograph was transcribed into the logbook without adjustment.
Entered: 5:26
